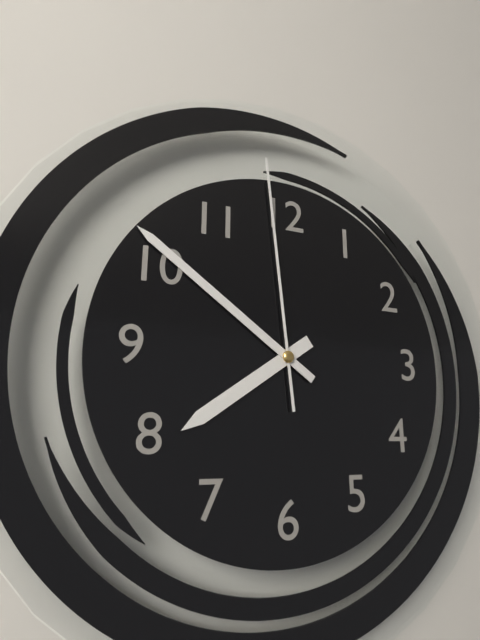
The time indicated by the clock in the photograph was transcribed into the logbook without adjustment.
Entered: 7:51:59
